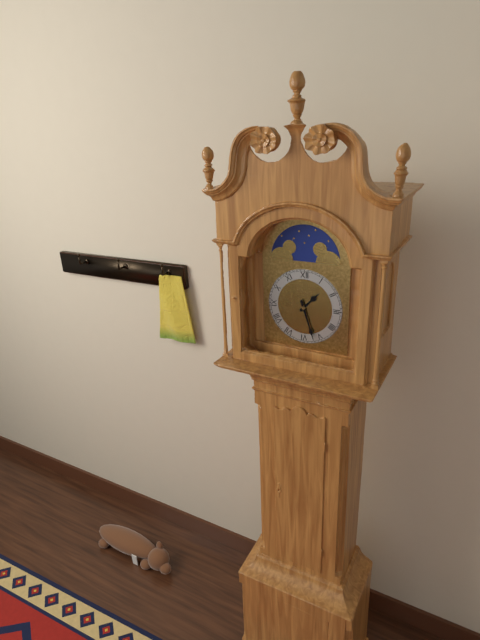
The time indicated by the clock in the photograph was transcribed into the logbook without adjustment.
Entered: 1:27
